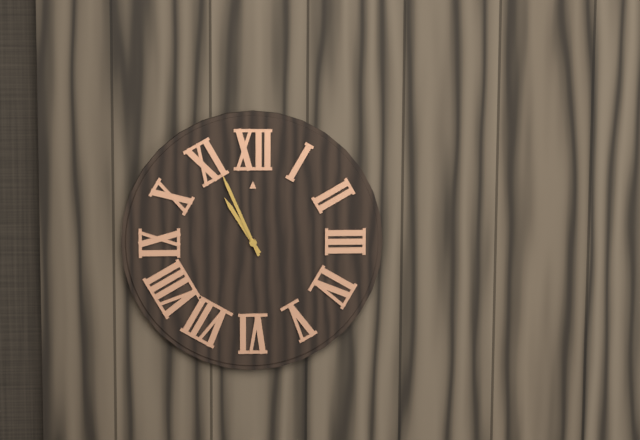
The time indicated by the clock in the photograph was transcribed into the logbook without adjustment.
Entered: 10:56
